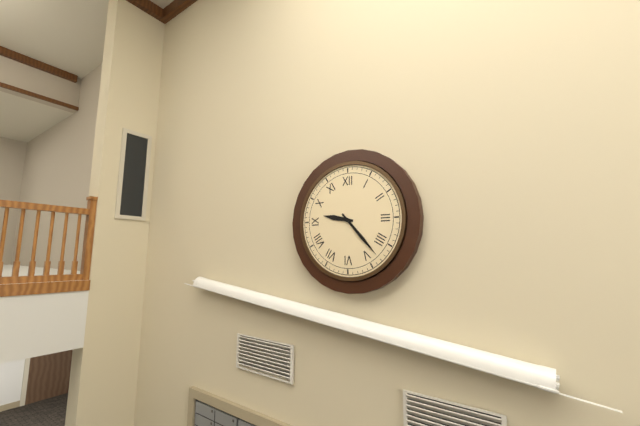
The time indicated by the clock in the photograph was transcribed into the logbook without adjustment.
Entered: 9:23
